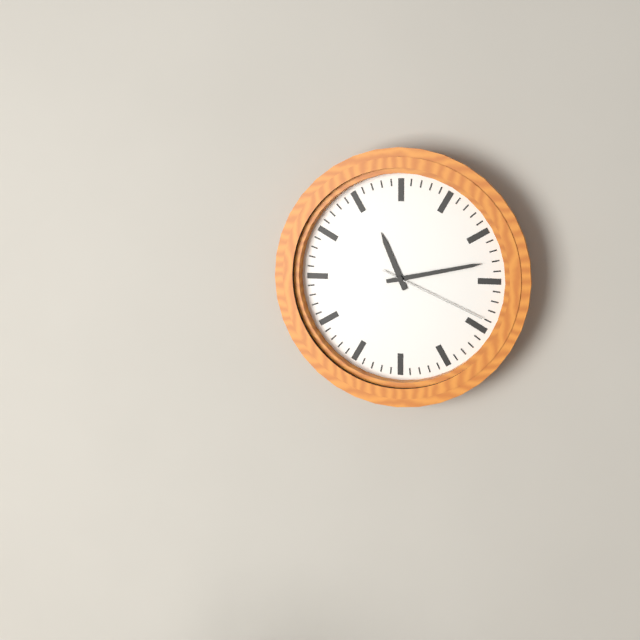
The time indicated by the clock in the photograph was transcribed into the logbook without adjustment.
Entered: 11:13:19
